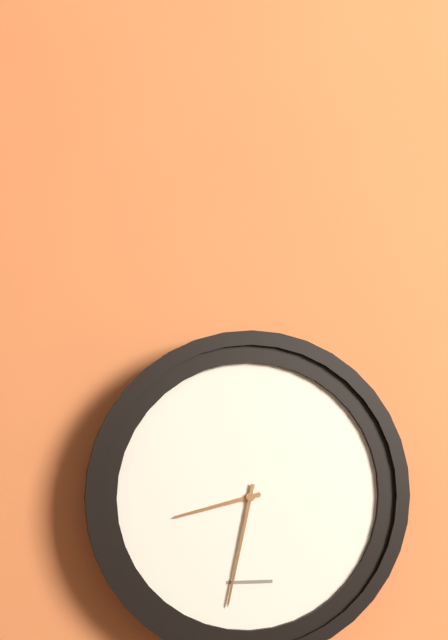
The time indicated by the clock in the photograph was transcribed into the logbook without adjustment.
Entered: 8:32
